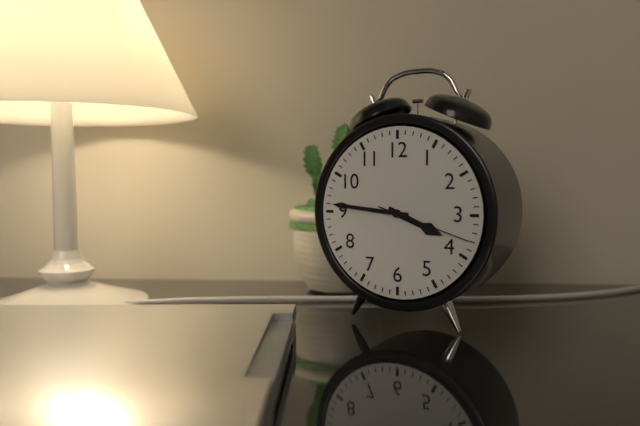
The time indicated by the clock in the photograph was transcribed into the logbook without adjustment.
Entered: 3:46:18
